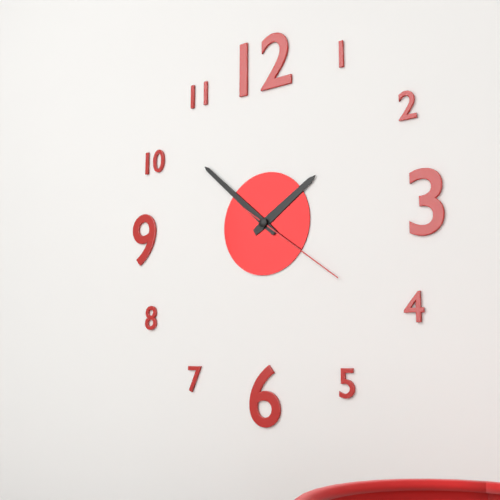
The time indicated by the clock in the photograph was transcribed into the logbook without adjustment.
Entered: 1:52:21
